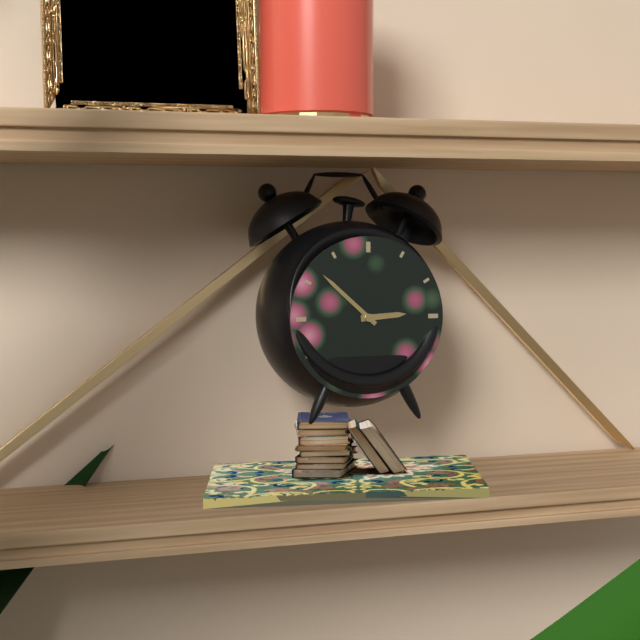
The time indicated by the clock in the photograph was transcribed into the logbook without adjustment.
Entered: 2:52
